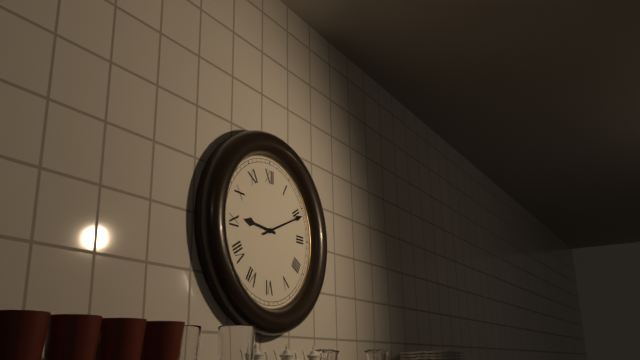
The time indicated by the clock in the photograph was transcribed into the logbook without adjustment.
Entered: 9:11
